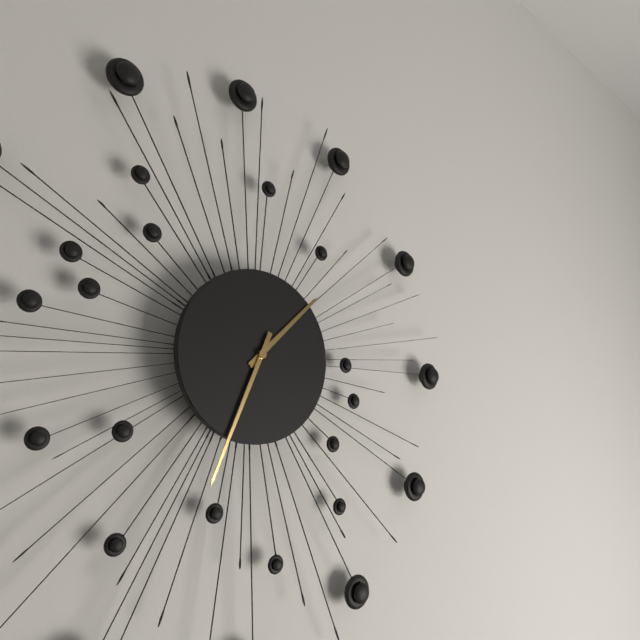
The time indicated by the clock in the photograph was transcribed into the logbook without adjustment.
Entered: 1:34
